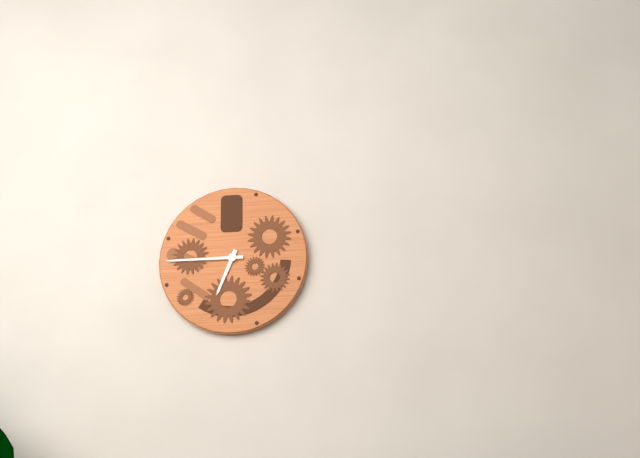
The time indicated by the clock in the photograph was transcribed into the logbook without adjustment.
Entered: 6:45
